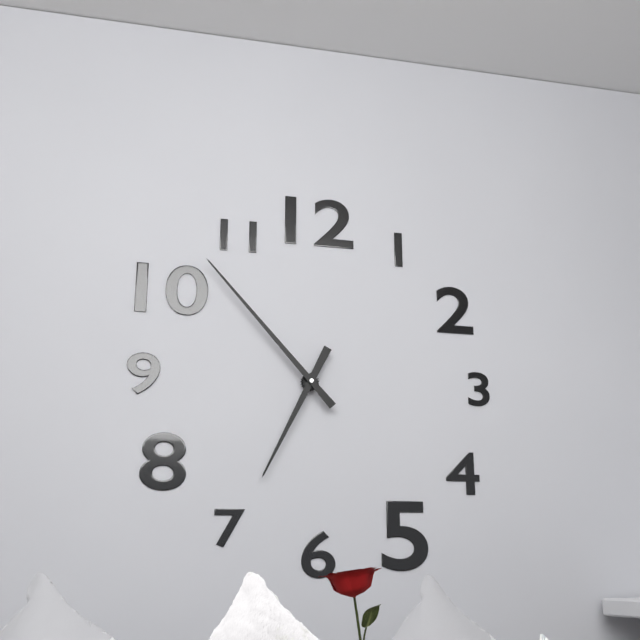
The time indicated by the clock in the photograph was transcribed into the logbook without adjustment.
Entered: 6:53
